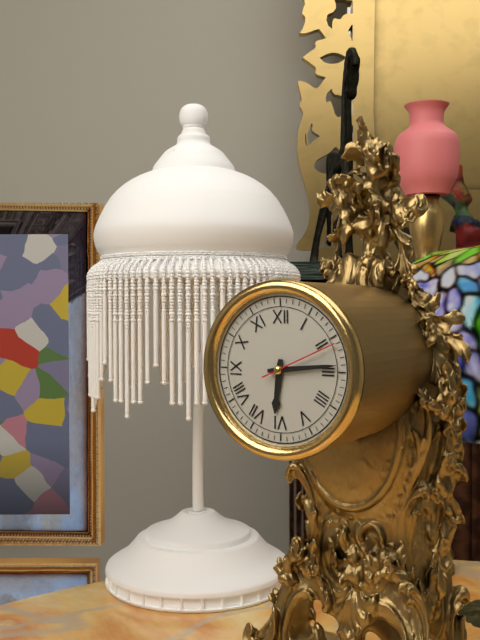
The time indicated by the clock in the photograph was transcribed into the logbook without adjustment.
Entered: 6:14:11
